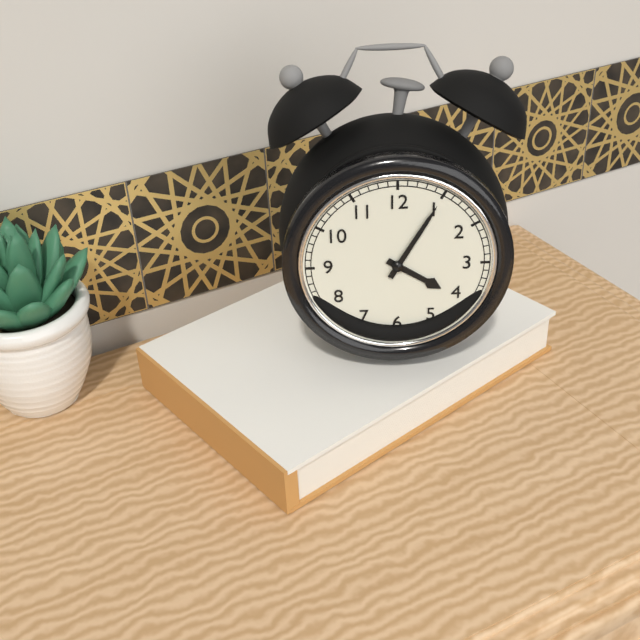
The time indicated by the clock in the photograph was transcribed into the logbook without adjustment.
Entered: 4:05
